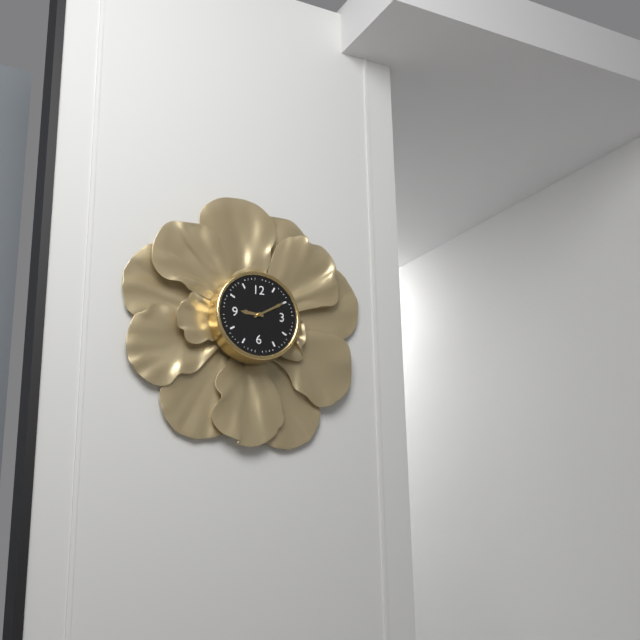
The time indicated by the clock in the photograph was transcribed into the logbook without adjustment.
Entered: 9:10
